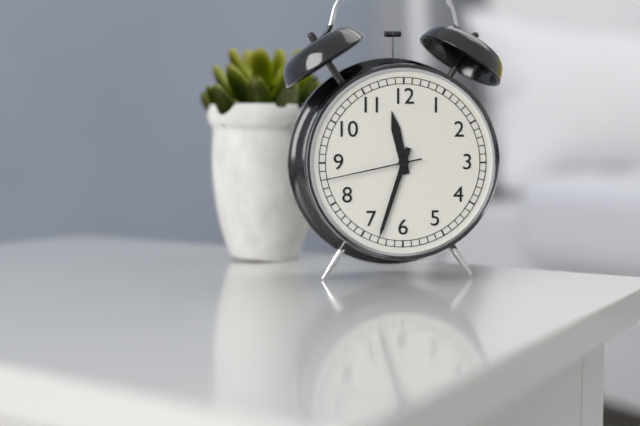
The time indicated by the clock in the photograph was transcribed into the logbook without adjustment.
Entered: 11:33:43
